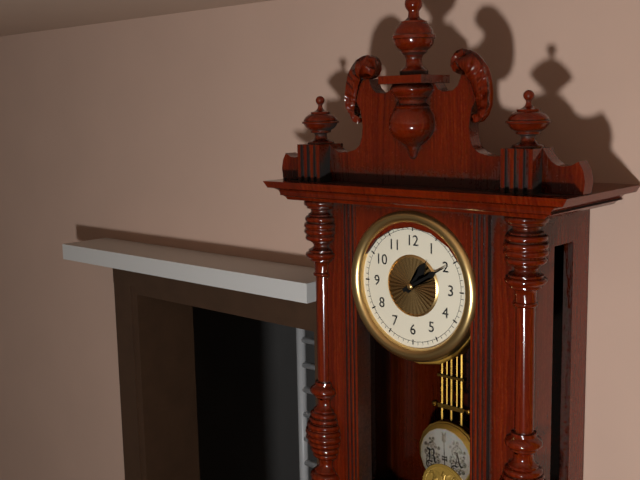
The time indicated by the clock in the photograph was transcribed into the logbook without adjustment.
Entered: 1:10
